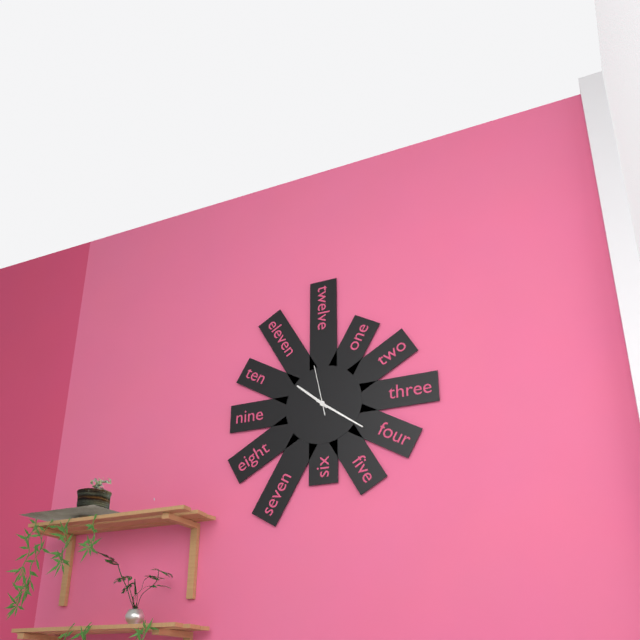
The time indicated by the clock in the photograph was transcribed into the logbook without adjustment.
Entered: 10:21
